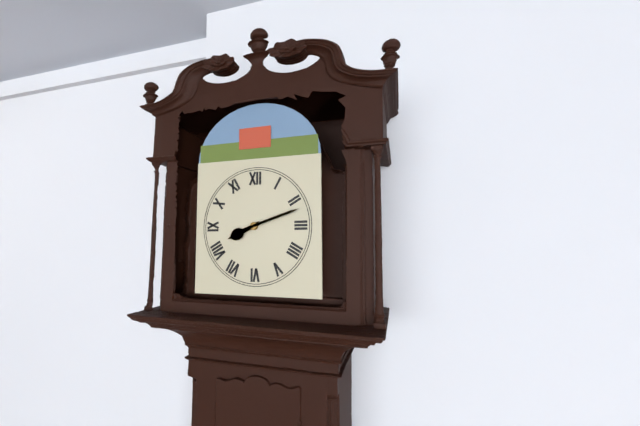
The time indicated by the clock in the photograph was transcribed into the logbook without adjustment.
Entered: 8:12
